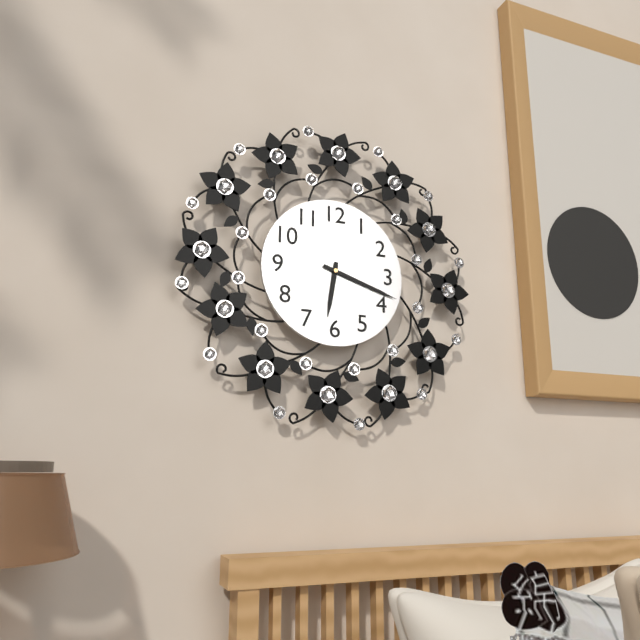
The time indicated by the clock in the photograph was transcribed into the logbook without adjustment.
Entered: 6:18
